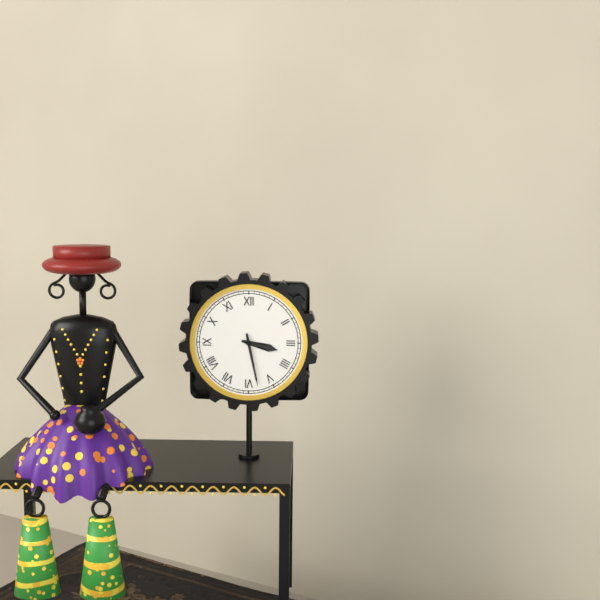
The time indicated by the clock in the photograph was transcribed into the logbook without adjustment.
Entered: 3:28
